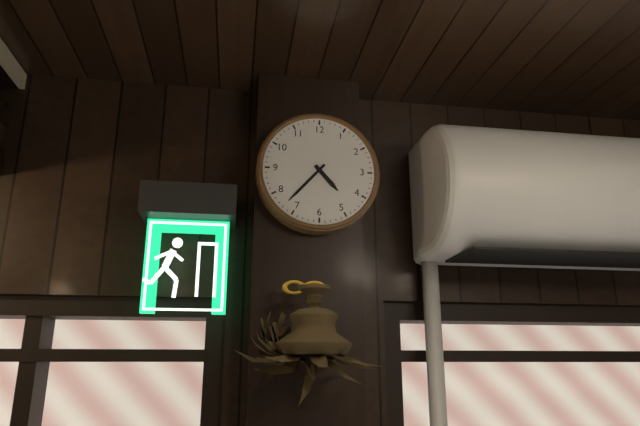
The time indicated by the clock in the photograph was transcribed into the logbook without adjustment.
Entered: 4:37
